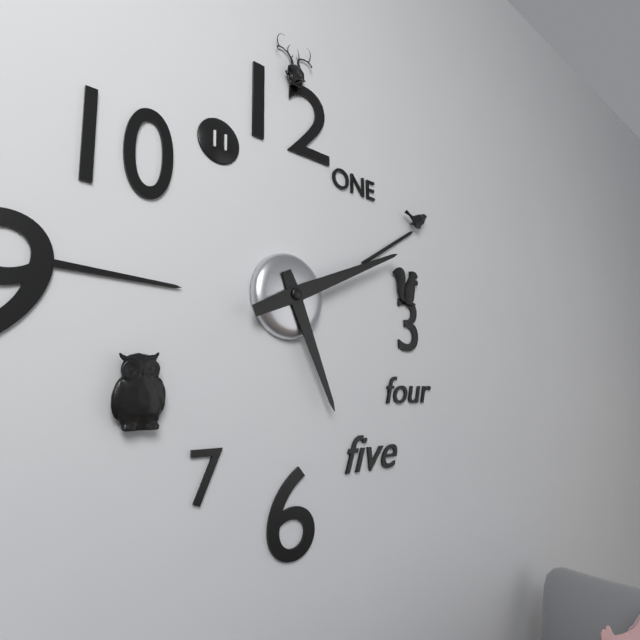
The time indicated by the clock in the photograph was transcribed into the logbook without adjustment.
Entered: 5:11
